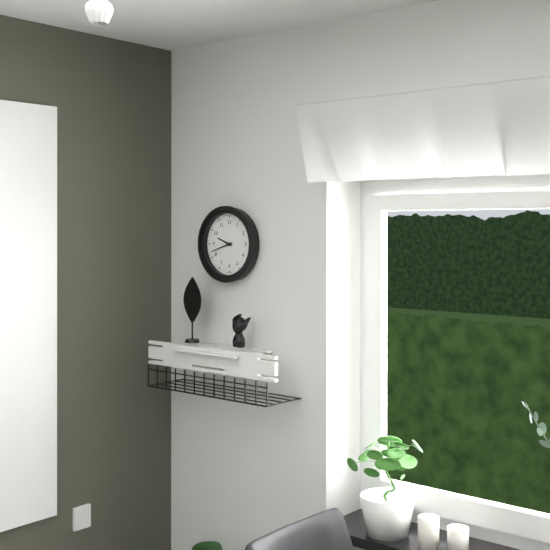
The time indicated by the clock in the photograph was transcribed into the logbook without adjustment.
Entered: 9:42
